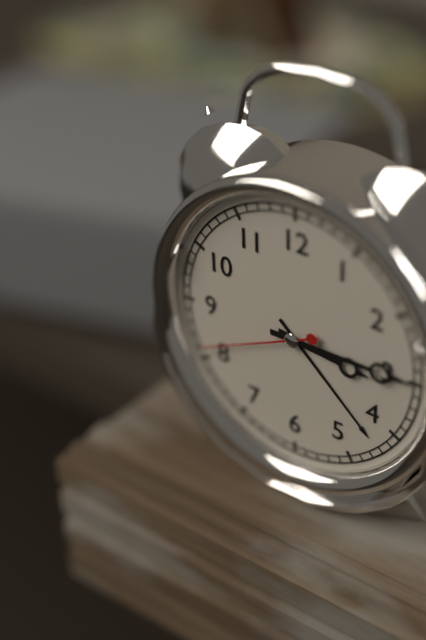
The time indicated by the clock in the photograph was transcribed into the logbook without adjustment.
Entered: 3:15:41
